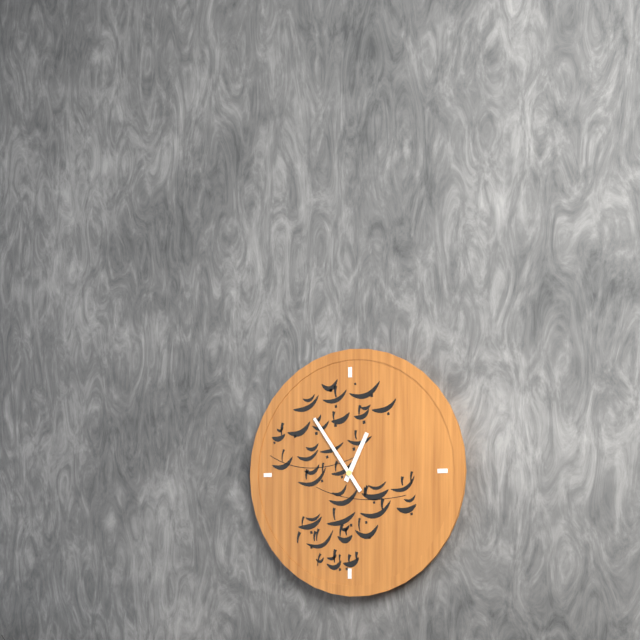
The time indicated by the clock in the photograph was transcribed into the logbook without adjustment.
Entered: 12:54
